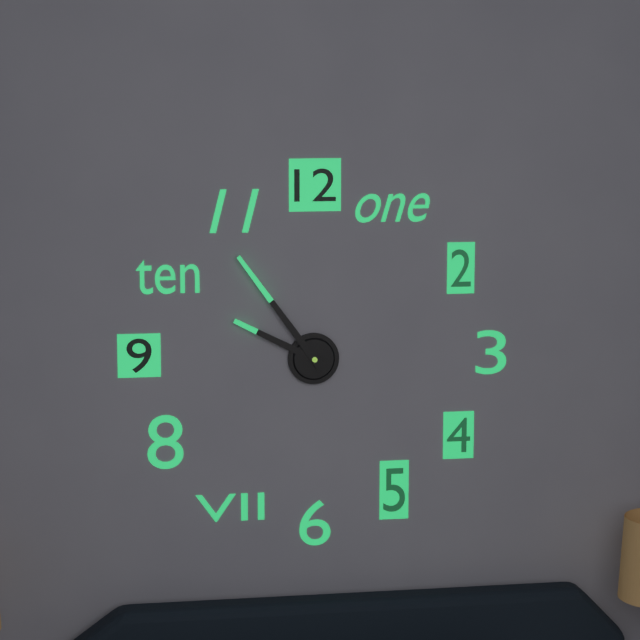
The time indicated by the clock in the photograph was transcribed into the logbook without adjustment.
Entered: 9:54
